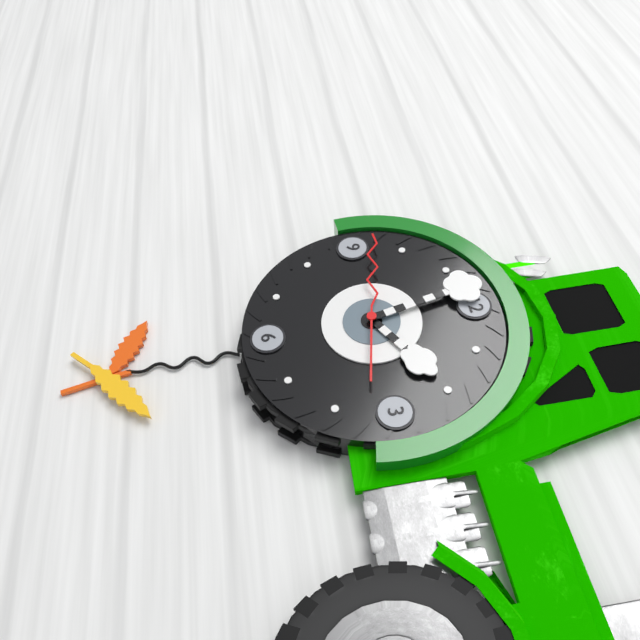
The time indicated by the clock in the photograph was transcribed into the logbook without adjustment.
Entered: 1:58:47
